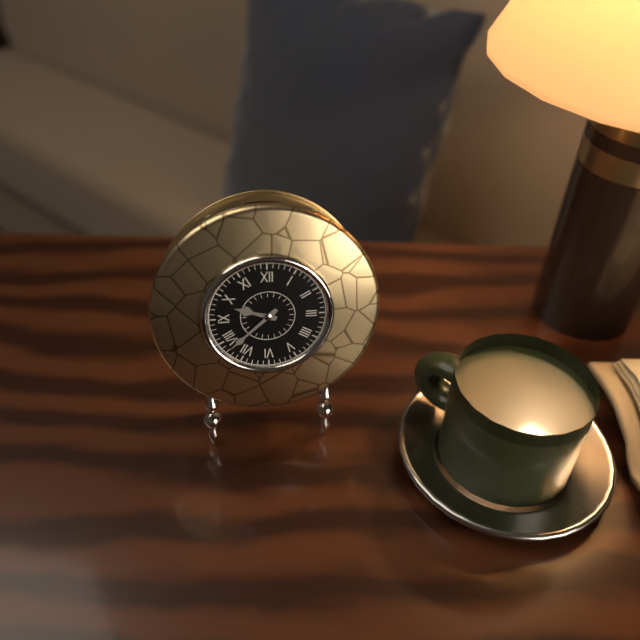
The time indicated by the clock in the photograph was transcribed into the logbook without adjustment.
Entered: 9:38
